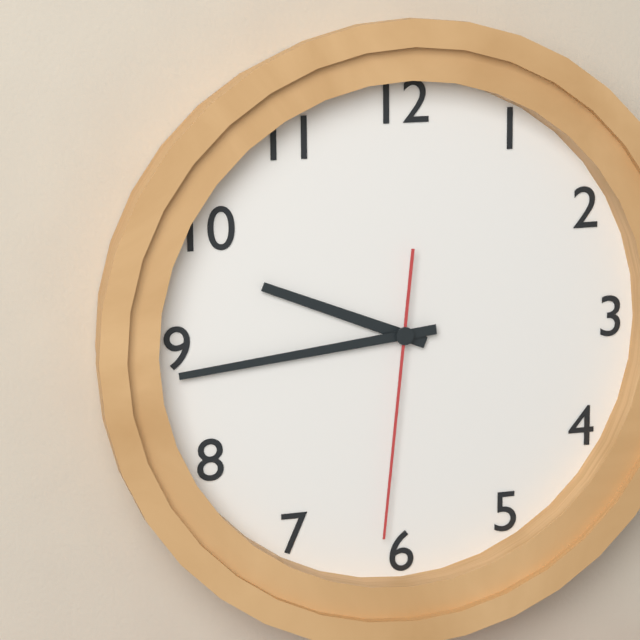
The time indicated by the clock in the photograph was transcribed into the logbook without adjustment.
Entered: 9:44:31
